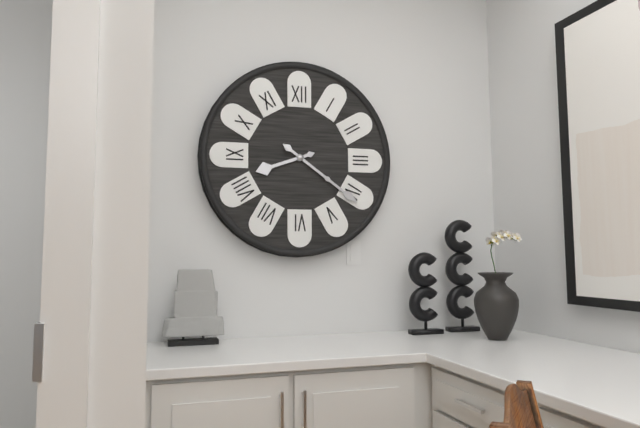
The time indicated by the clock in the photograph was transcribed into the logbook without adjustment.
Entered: 8:21
